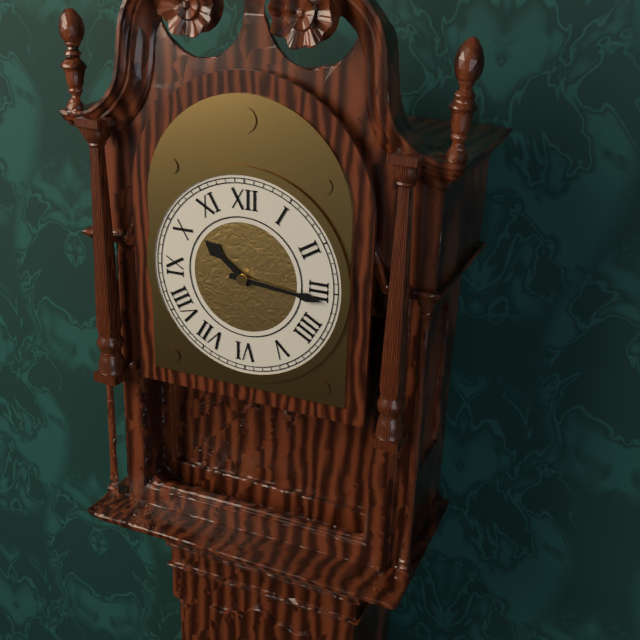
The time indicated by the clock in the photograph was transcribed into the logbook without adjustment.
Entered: 10:16
